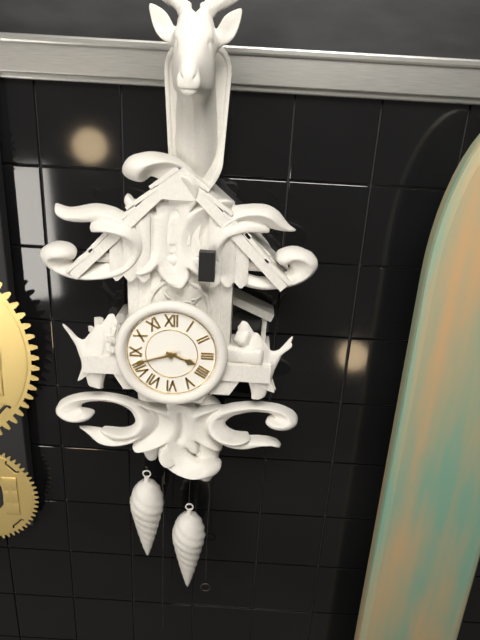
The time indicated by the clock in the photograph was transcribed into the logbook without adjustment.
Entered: 3:42
